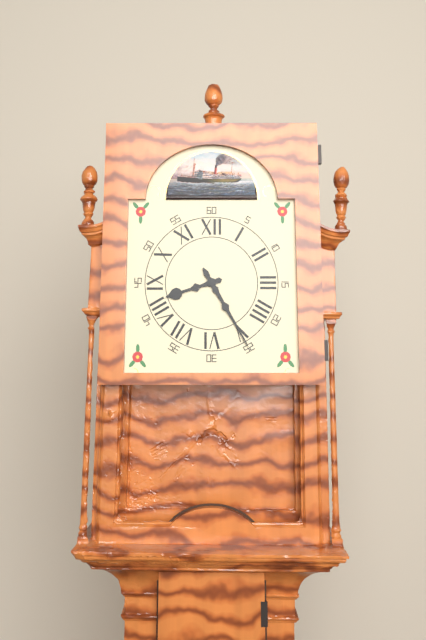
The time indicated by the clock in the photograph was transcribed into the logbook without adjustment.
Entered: 8:25
